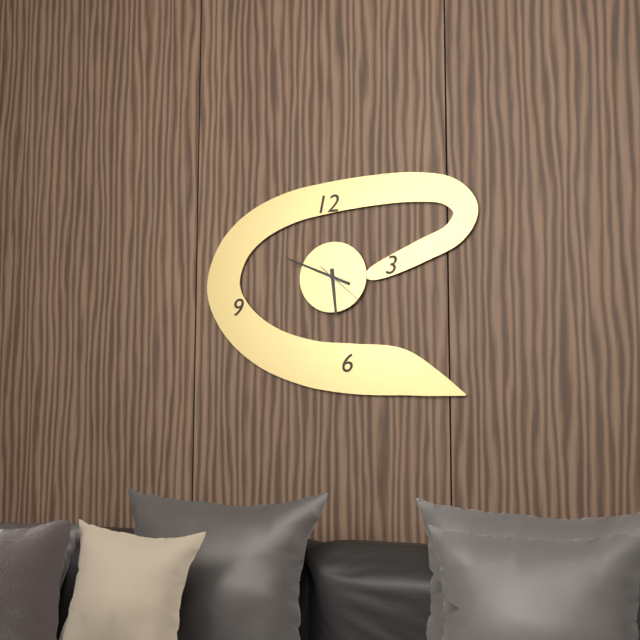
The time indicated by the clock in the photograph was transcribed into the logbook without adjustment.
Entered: 5:49
